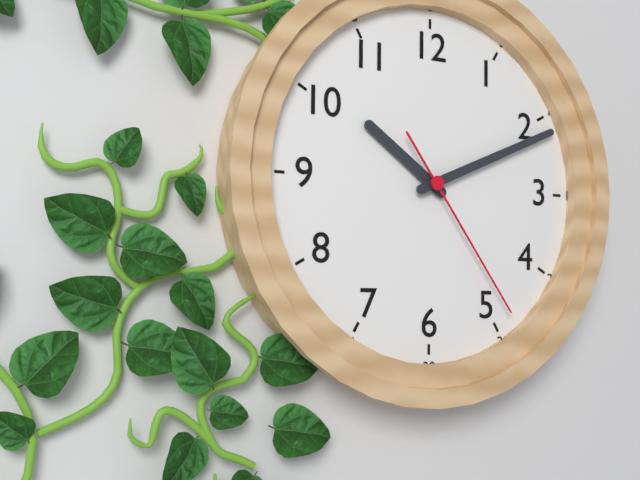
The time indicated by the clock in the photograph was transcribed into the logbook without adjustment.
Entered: 10:11:24
